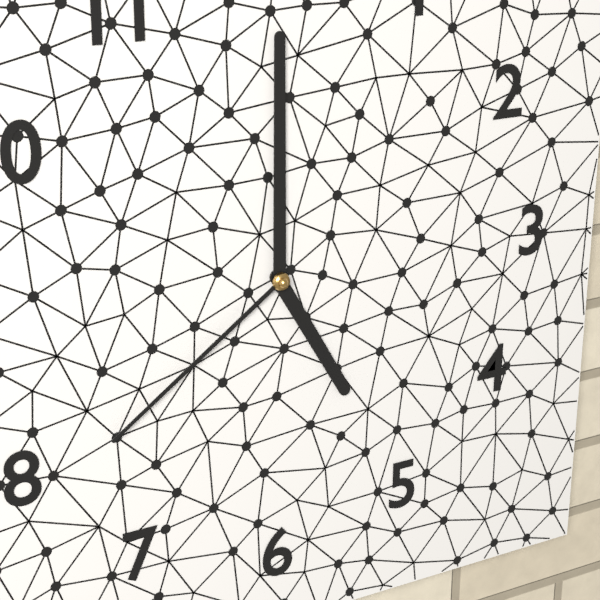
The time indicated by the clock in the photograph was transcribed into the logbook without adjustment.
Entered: 5:00:39
